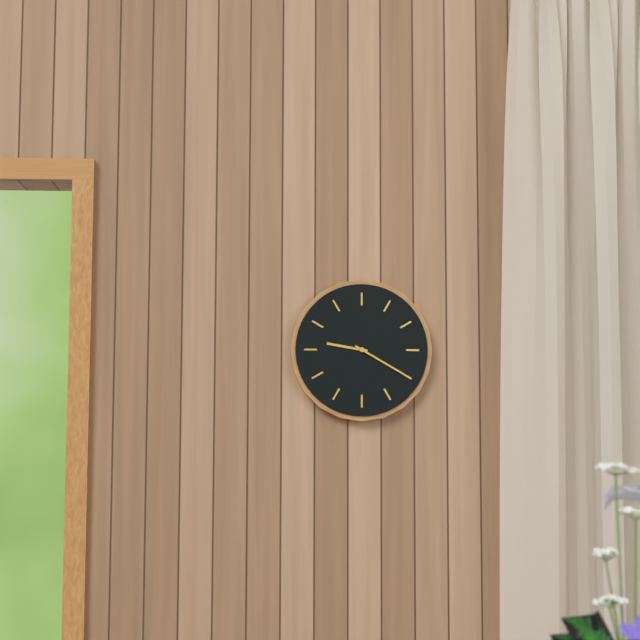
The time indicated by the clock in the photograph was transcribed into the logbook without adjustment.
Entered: 9:20
